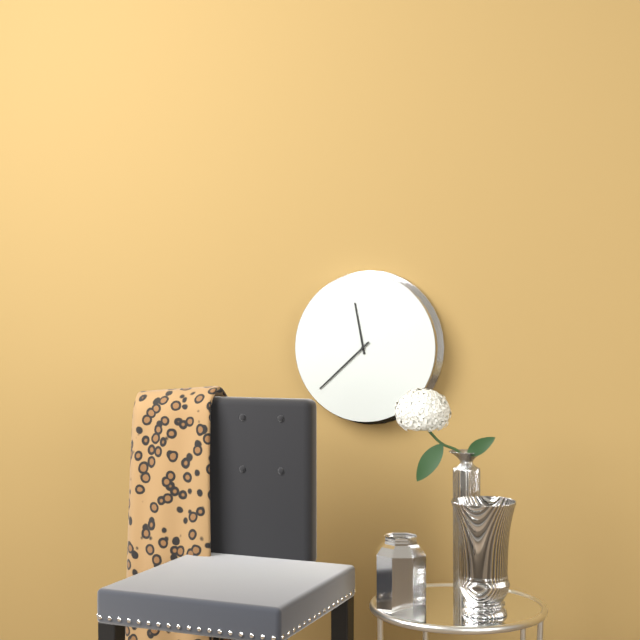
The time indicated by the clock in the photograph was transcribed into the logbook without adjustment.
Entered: 11:38
